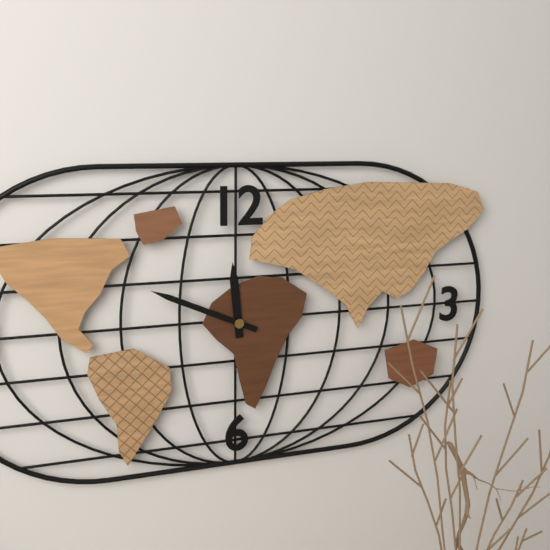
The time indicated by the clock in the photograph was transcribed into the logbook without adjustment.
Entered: 11:49
